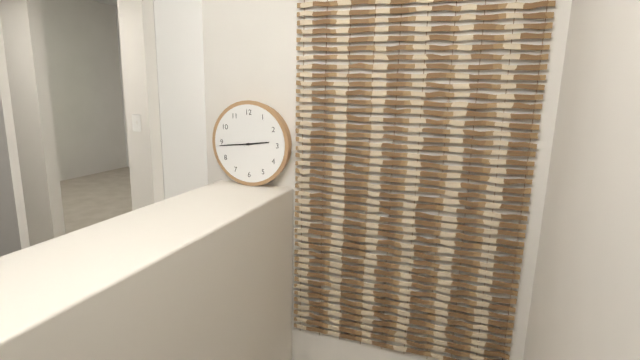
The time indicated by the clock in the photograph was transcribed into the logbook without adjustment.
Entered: 2:44
